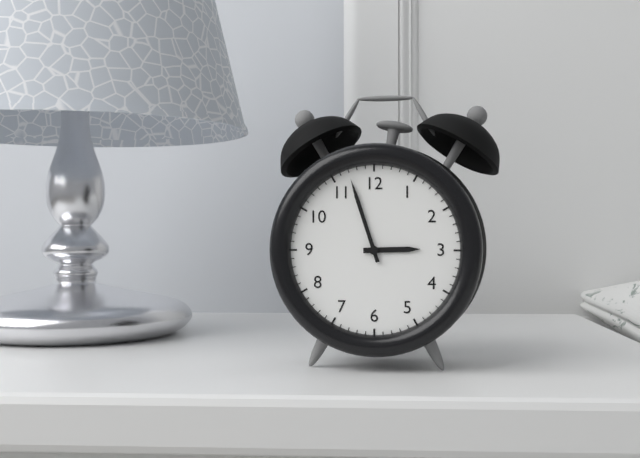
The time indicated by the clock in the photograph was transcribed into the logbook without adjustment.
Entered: 2:57
